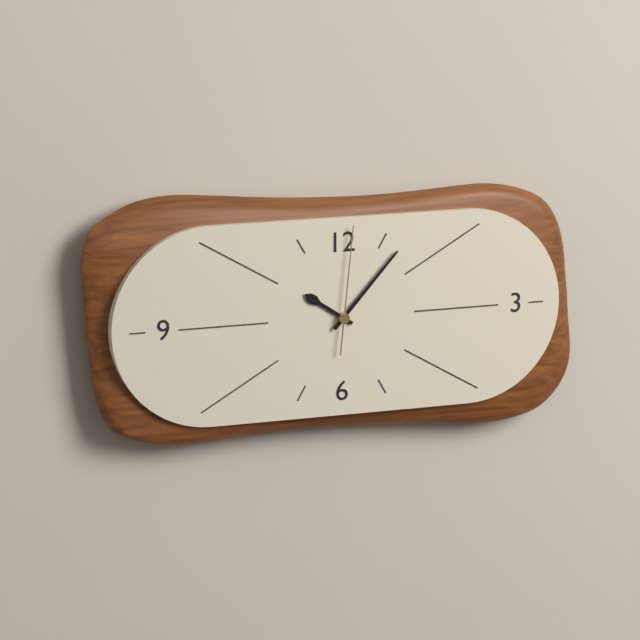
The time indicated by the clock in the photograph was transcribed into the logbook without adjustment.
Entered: 10:07:01
